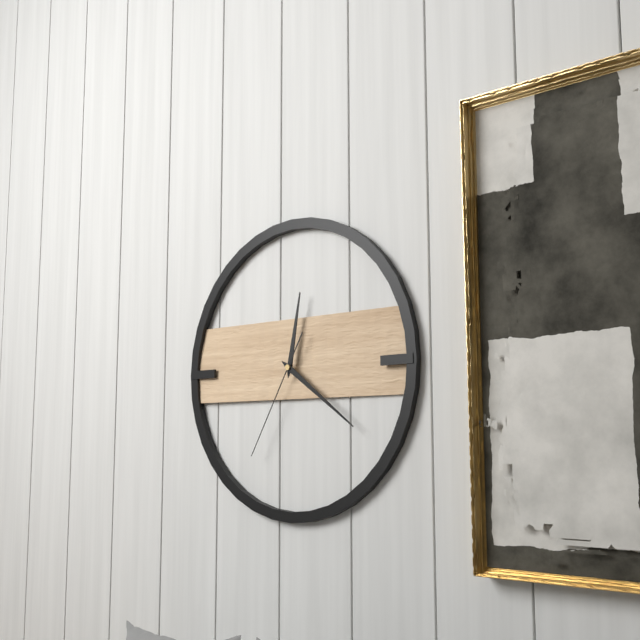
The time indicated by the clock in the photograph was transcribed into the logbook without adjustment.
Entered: 12:21:35
